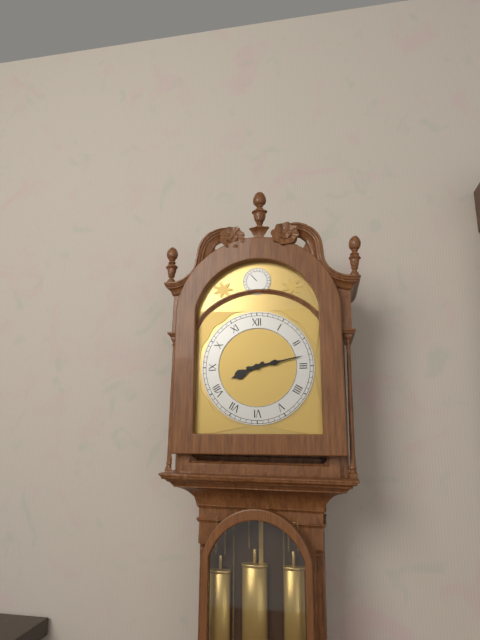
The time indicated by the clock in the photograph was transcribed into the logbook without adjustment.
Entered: 8:13
